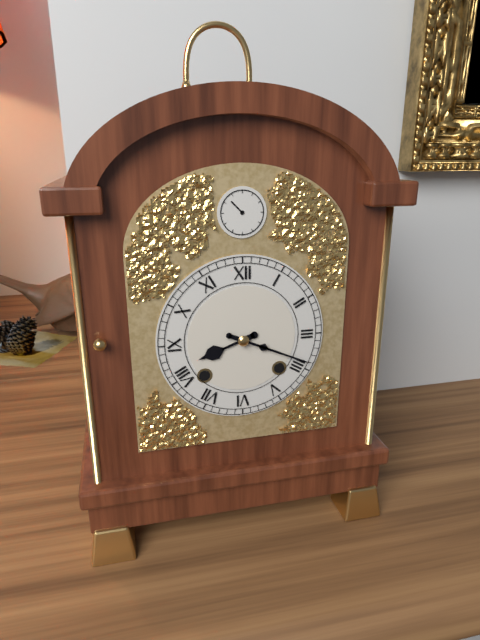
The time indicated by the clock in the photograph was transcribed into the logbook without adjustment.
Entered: 8:19
